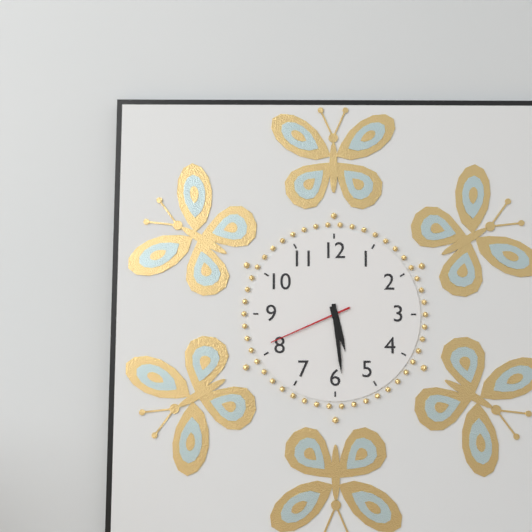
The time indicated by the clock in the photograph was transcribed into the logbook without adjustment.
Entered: 5:29:41
